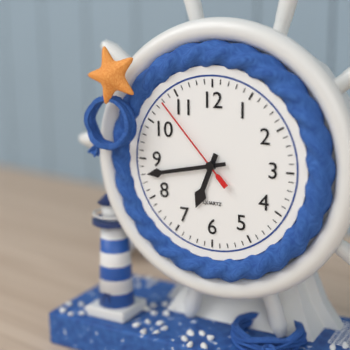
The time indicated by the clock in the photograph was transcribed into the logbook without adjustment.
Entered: 6:43:53
